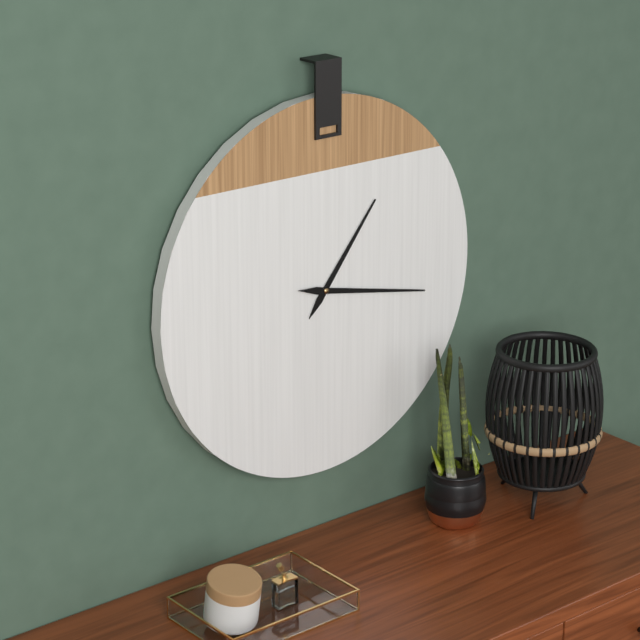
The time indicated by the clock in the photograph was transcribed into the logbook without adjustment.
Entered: 1:17
